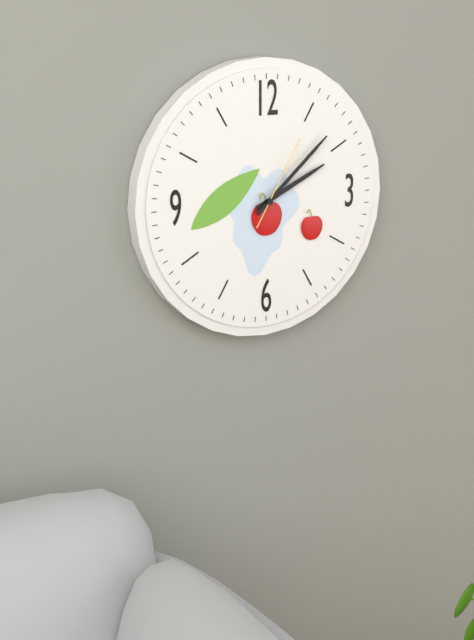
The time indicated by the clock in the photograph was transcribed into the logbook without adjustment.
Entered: 2:08:05
